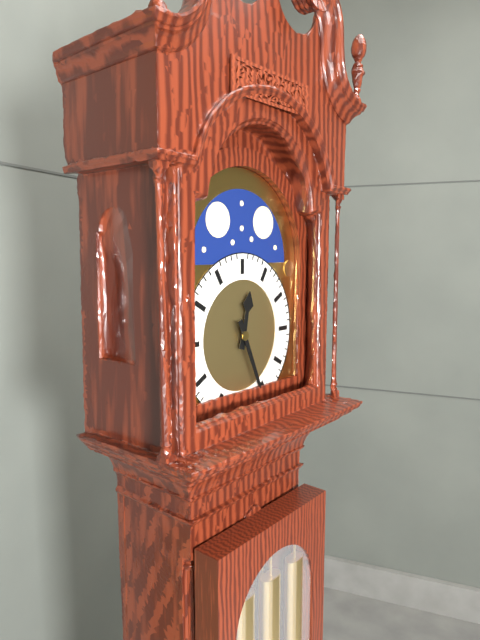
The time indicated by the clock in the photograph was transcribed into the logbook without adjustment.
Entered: 12:26
